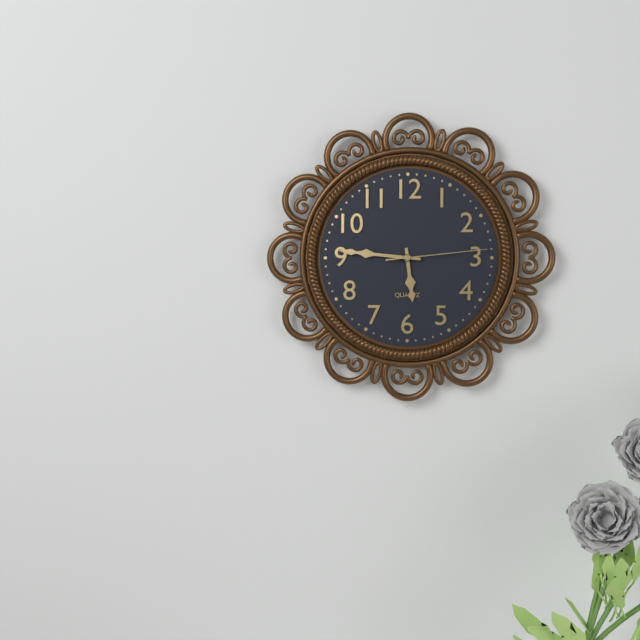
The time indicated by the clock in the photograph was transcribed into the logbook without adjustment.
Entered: 5:46:14
